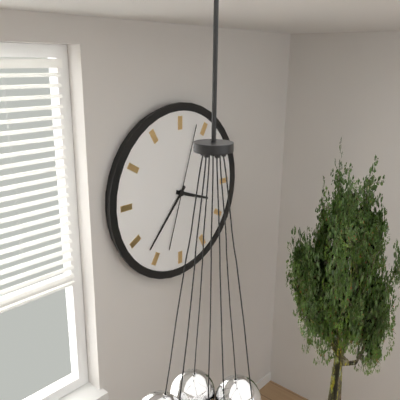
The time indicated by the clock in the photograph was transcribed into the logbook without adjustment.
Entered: 3:37:03
